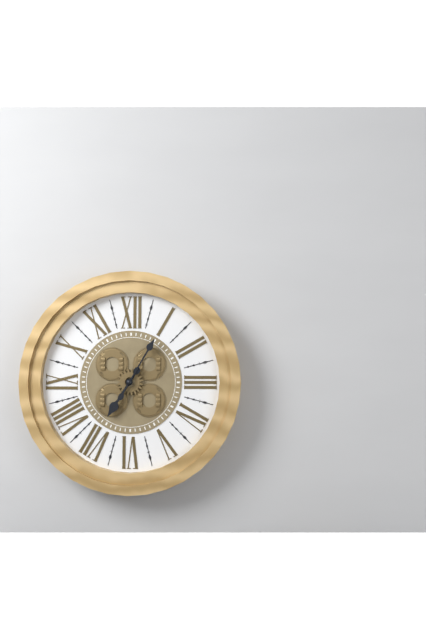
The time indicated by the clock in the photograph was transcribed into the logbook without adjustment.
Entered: 7:05
